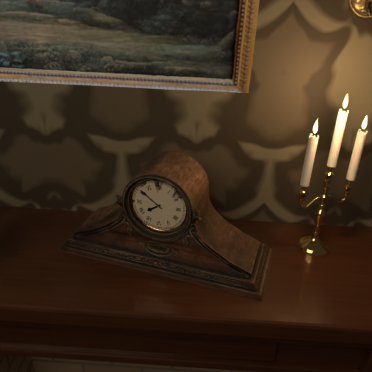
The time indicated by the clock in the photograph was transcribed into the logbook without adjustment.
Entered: 7:51
